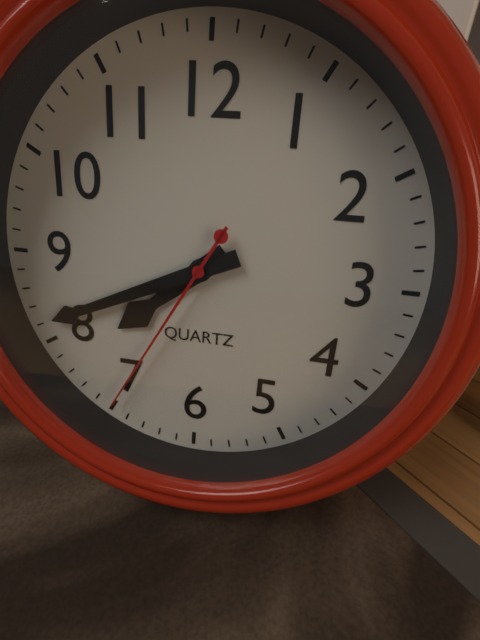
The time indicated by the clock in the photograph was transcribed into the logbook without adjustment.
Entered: 7:41:35
